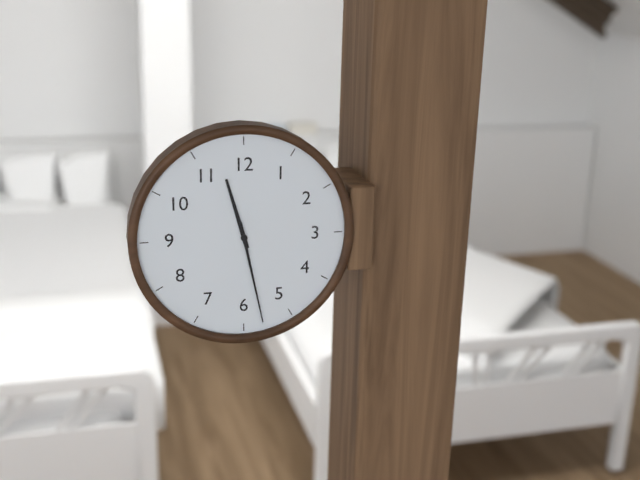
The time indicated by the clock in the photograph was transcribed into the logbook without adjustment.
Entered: 11:28
